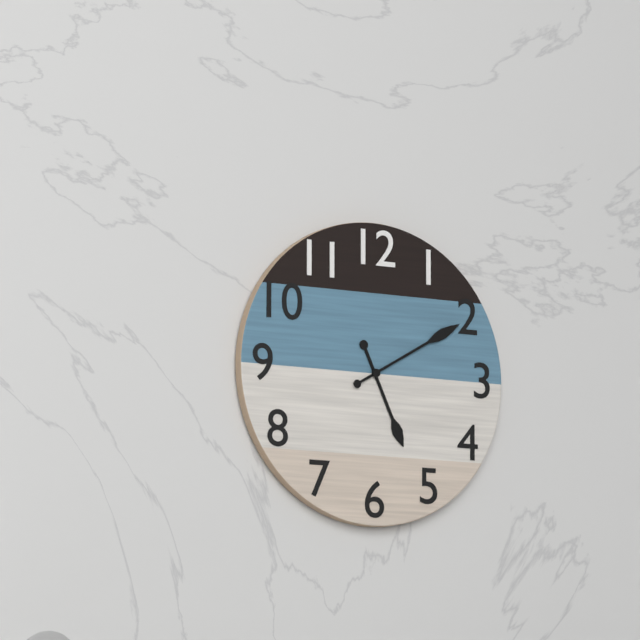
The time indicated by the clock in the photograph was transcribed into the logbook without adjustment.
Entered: 5:10
